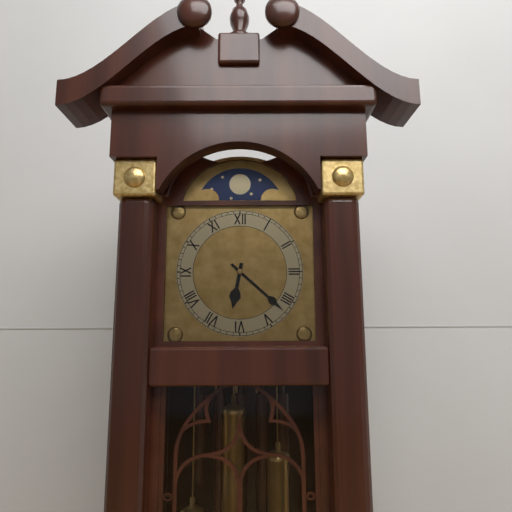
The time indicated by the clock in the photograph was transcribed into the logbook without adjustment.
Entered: 6:22
